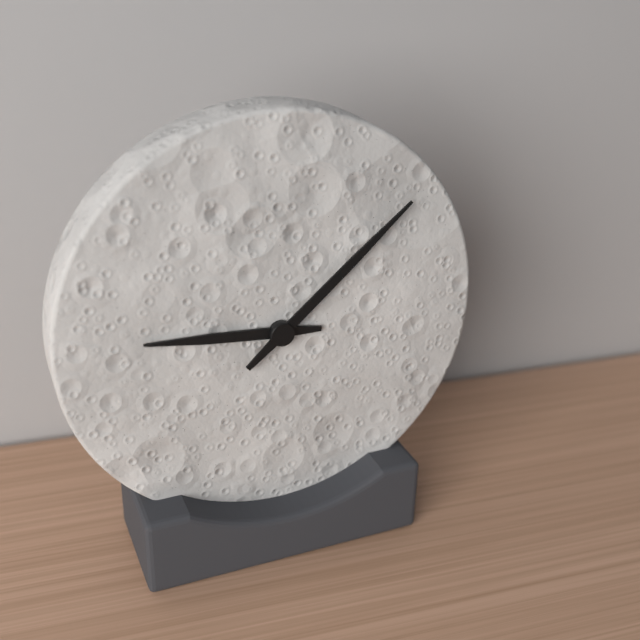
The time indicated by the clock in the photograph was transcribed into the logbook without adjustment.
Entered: 9:08
